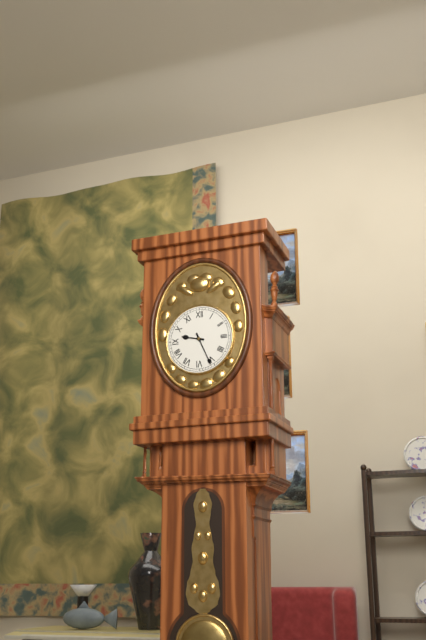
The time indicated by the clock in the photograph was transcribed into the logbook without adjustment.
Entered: 9:26
